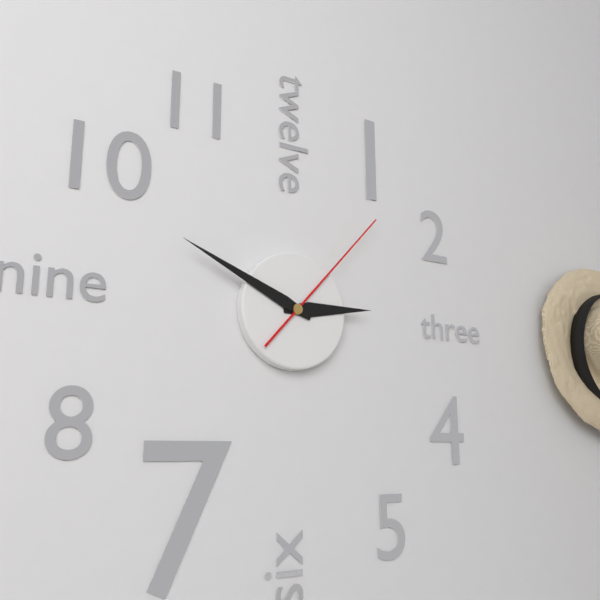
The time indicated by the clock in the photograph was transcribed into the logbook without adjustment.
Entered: 2:49:07
